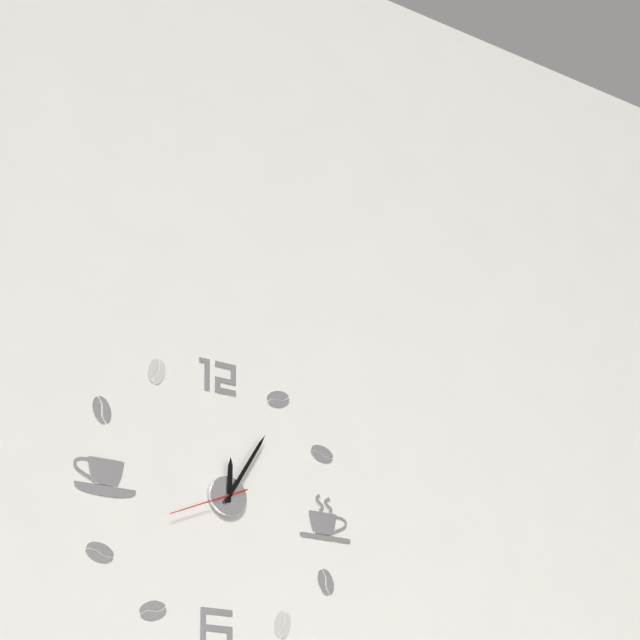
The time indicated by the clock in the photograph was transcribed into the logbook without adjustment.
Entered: 12:05:41
